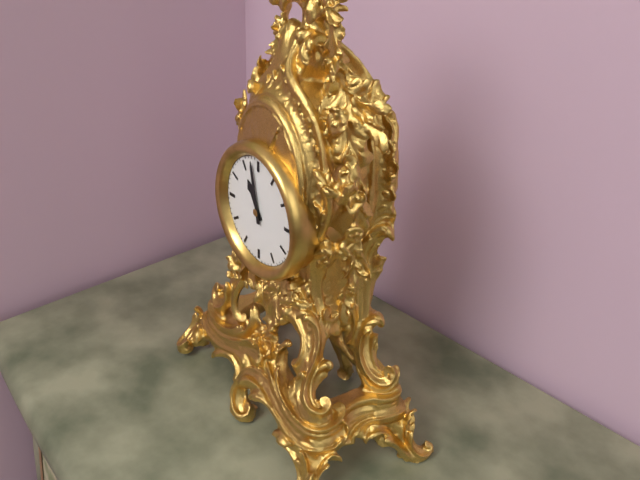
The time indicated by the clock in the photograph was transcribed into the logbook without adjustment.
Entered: 10:58
